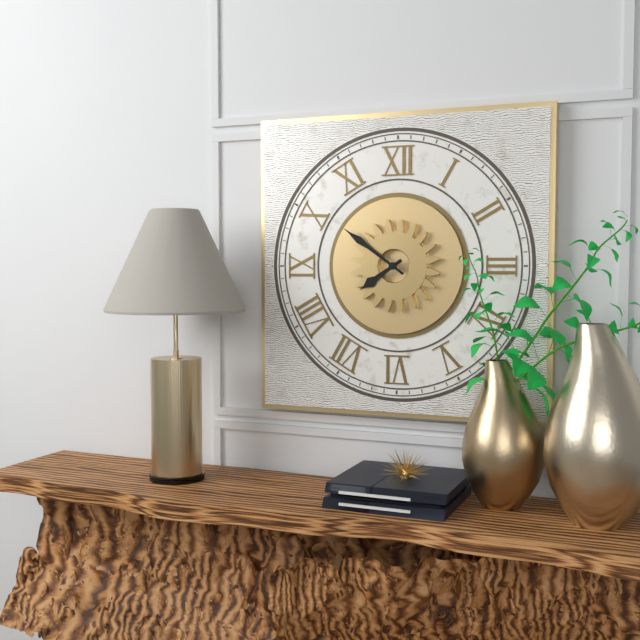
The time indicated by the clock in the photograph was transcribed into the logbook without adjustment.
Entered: 7:51
